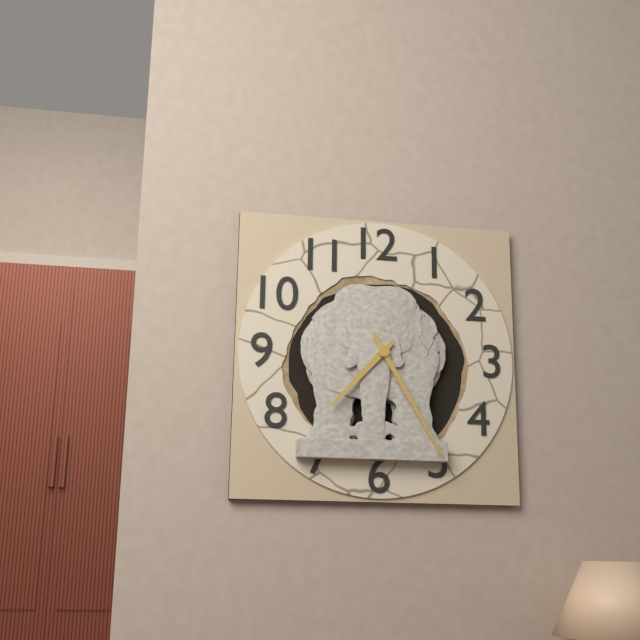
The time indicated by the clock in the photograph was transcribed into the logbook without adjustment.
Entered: 7:25
